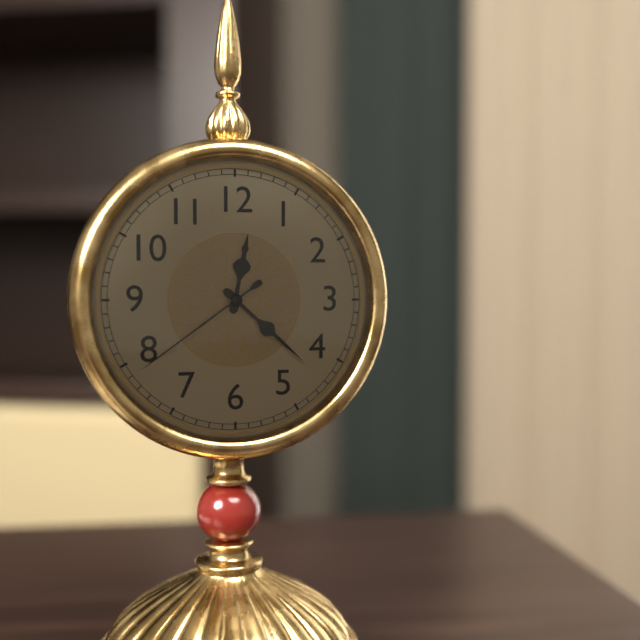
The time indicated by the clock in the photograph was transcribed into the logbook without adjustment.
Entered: 12:22:39
